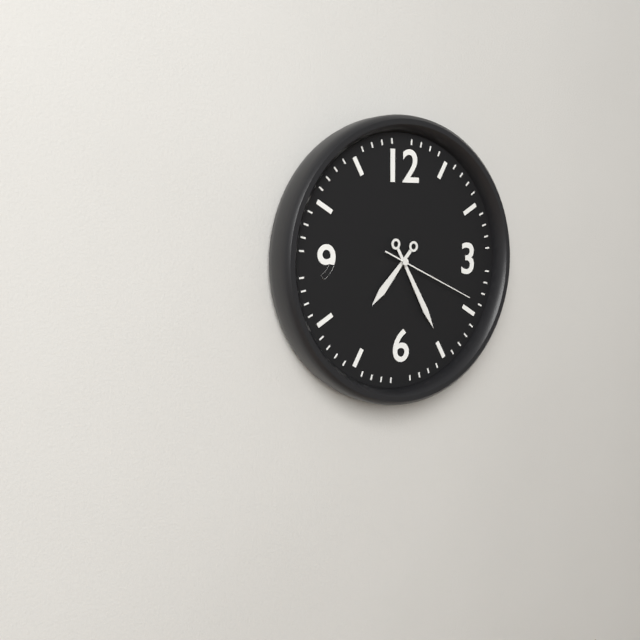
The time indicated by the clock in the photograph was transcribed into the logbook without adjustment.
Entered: 7:25:19
